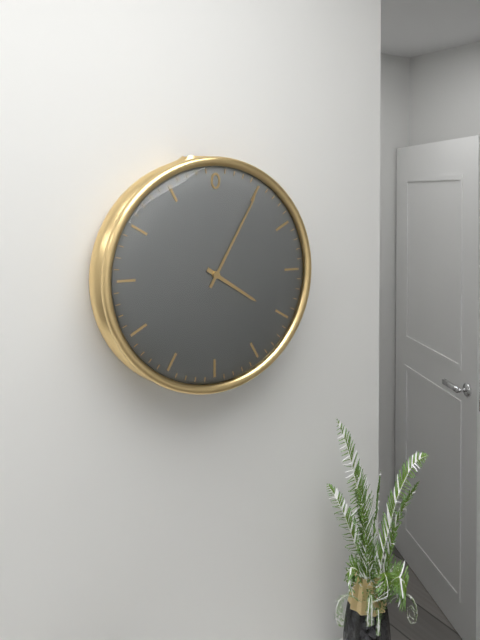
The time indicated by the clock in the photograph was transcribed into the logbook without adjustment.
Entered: 4:05
